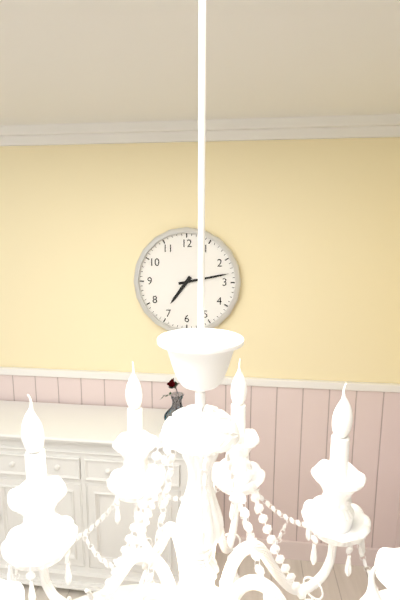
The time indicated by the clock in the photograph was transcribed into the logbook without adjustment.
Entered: 7:13
